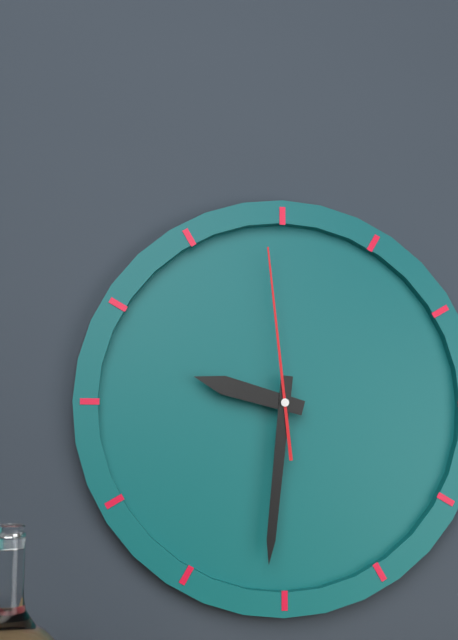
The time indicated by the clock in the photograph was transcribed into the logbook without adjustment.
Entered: 9:31:59
